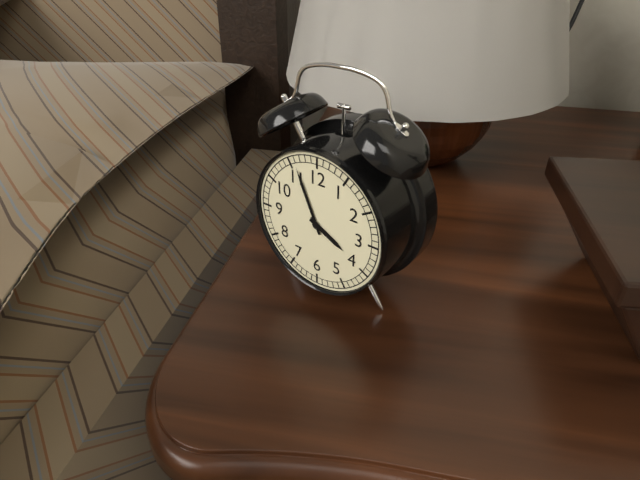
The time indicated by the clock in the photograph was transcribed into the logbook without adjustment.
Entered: 3:56
